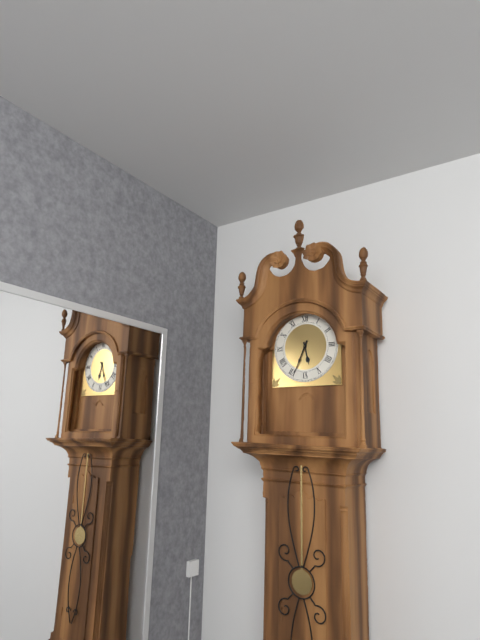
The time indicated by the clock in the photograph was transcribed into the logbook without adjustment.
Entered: 5:34
